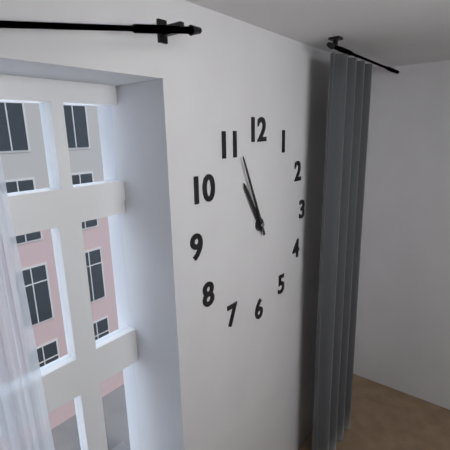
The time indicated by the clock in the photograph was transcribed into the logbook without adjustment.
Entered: 10:56
